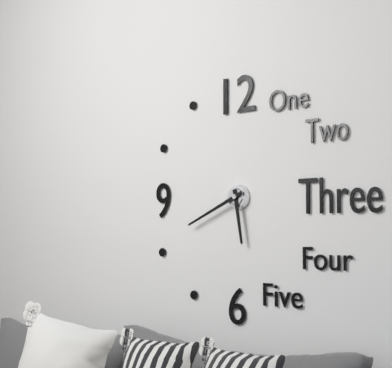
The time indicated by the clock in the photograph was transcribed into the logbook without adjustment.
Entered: 5:41
